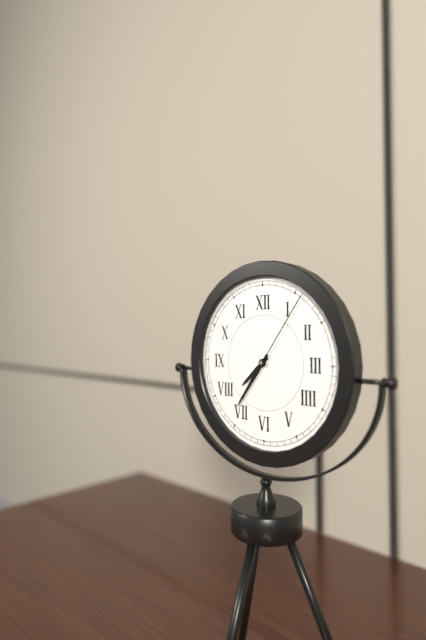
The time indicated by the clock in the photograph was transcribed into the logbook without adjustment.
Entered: 7:36:06
